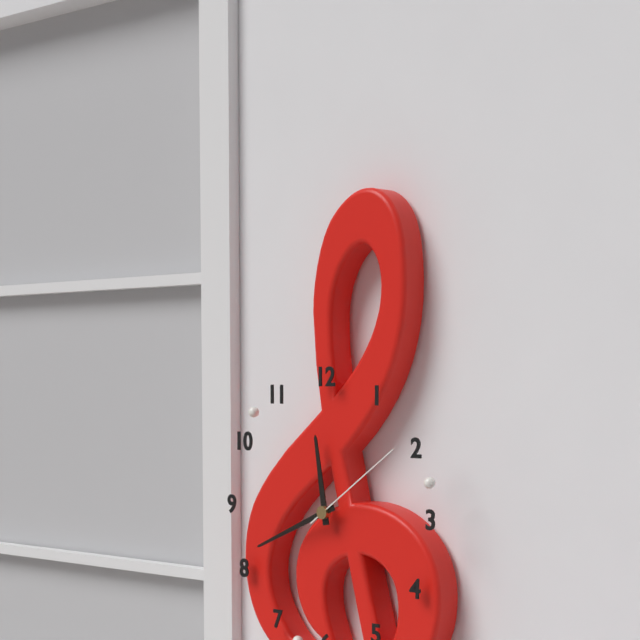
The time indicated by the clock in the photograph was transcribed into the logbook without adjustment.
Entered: 11:41:09
